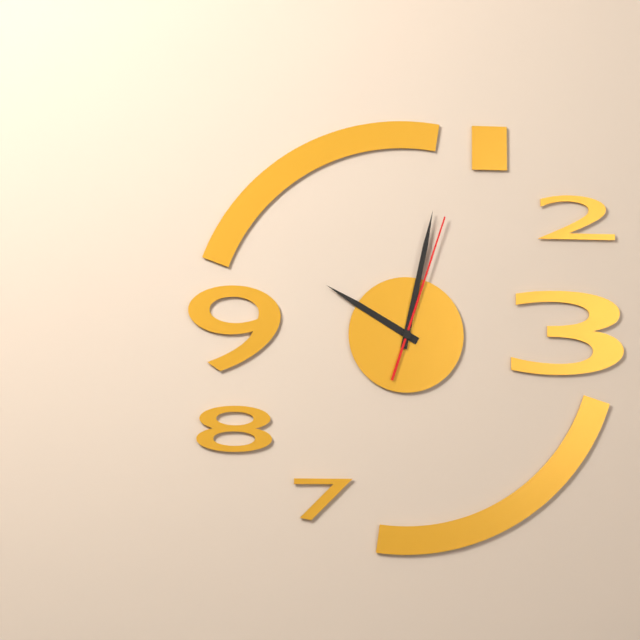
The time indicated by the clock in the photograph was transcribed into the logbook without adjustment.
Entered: 10:02:03
